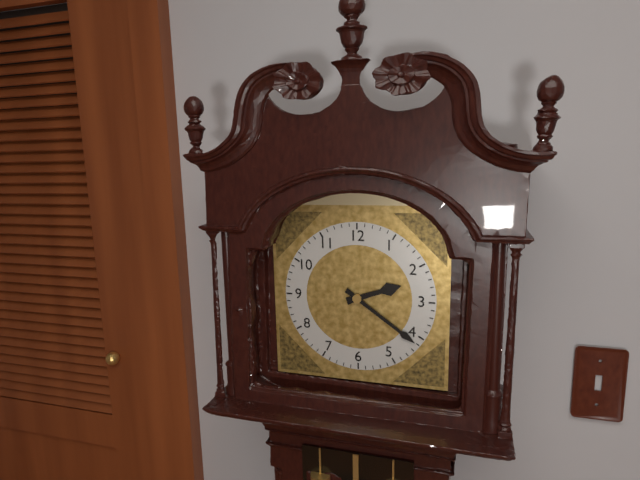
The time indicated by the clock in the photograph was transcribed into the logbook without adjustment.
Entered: 2:21
